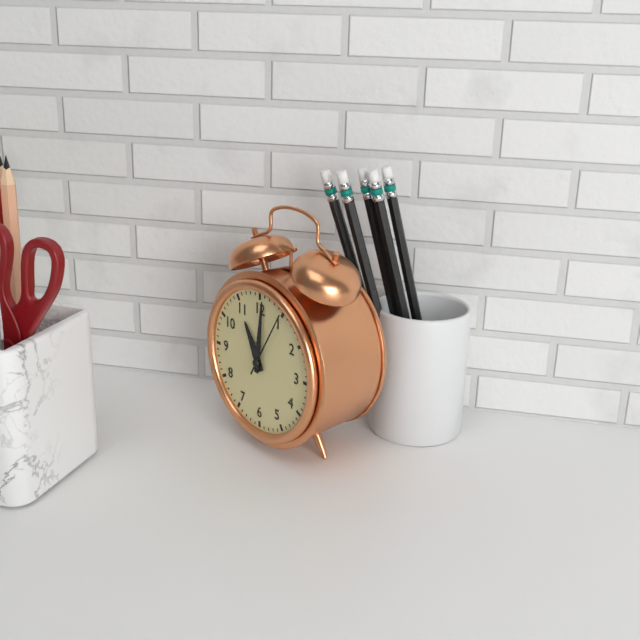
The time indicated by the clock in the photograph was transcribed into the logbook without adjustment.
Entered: 11:01:05
